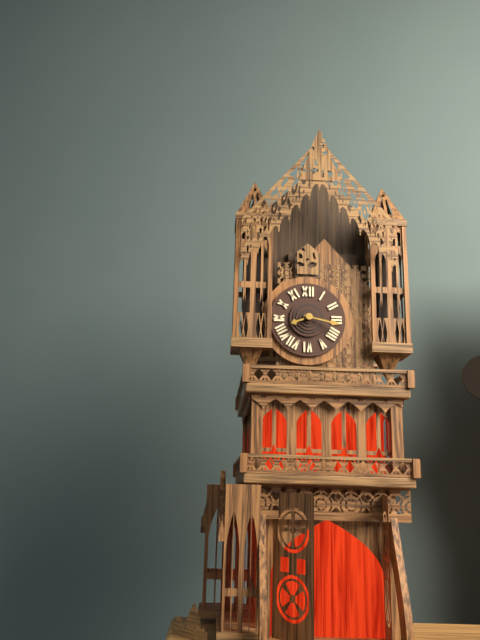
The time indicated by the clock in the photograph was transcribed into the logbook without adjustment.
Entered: 8:17
